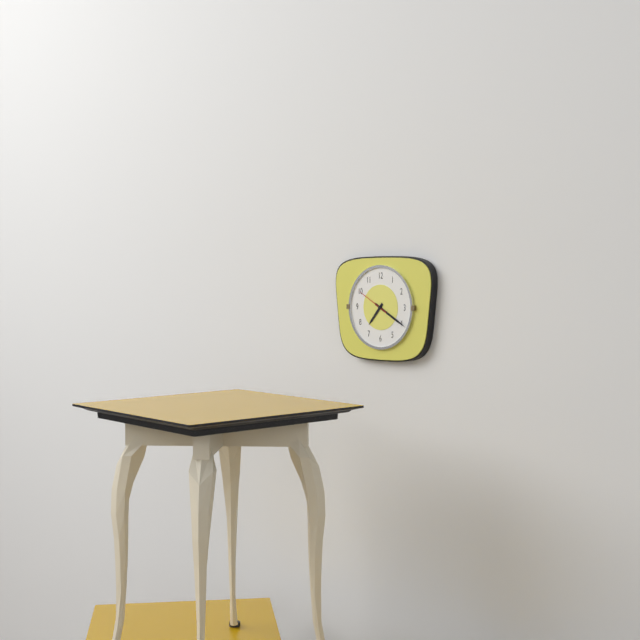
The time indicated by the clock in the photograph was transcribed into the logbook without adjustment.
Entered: 7:20
